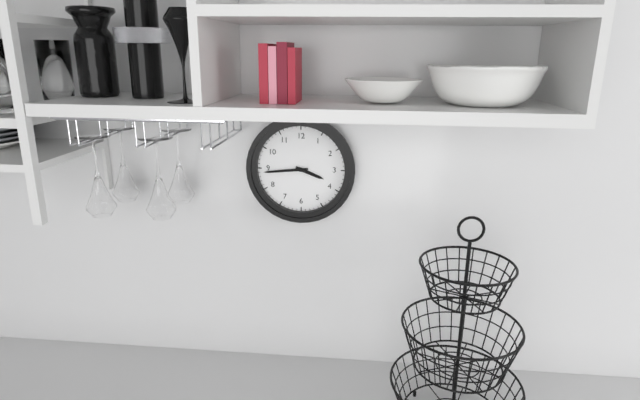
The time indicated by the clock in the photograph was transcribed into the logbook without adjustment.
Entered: 3:44
